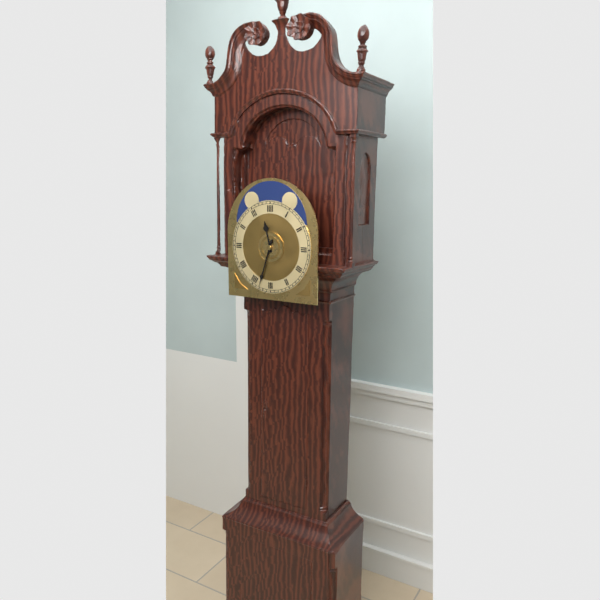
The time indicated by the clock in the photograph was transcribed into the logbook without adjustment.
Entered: 11:33
